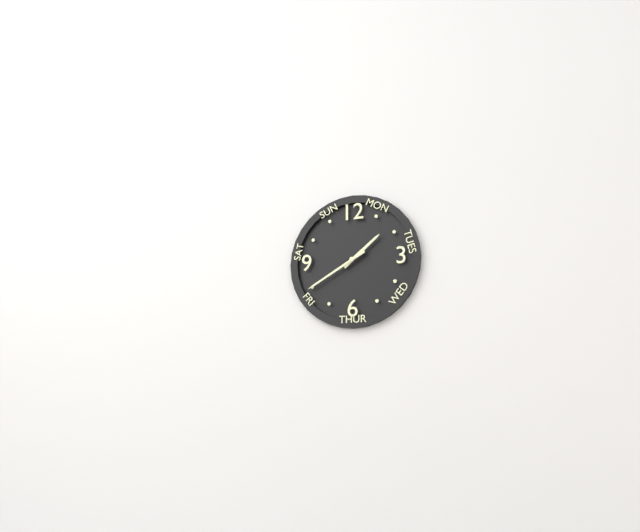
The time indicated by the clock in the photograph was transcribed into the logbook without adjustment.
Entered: 1:40
